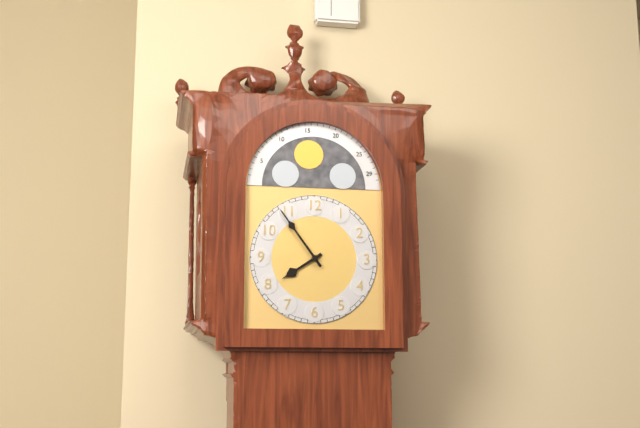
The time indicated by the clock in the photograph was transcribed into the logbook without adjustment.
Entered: 7:54
